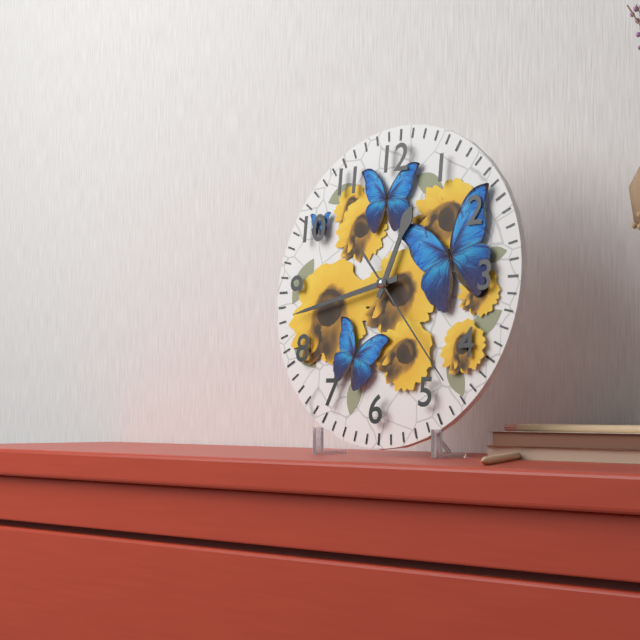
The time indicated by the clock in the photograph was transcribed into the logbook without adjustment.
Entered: 12:43:23
